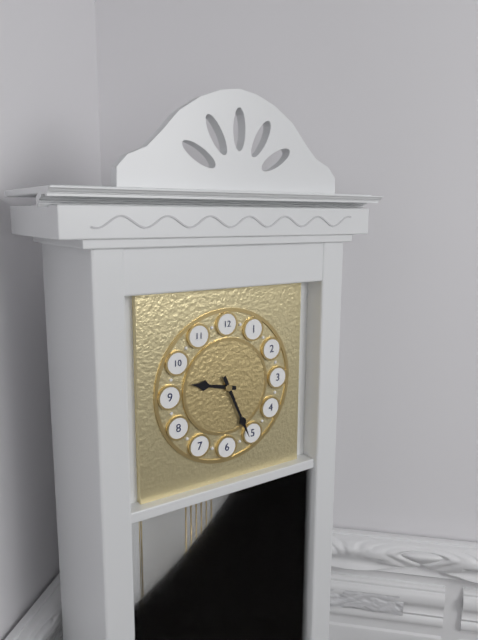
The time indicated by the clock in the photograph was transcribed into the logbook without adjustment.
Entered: 9:26
